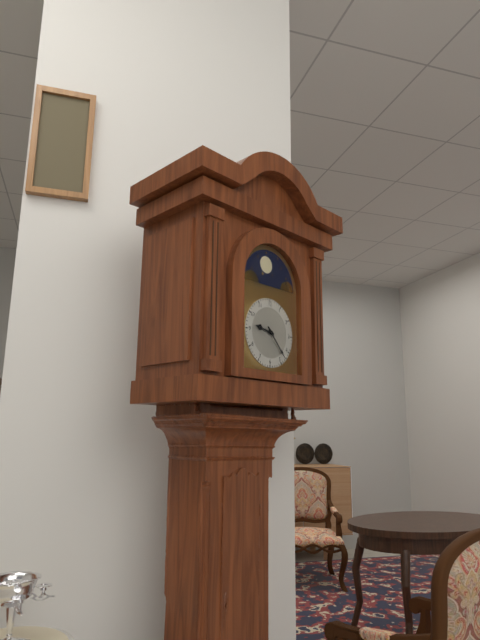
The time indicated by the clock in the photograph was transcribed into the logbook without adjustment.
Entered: 9:23
